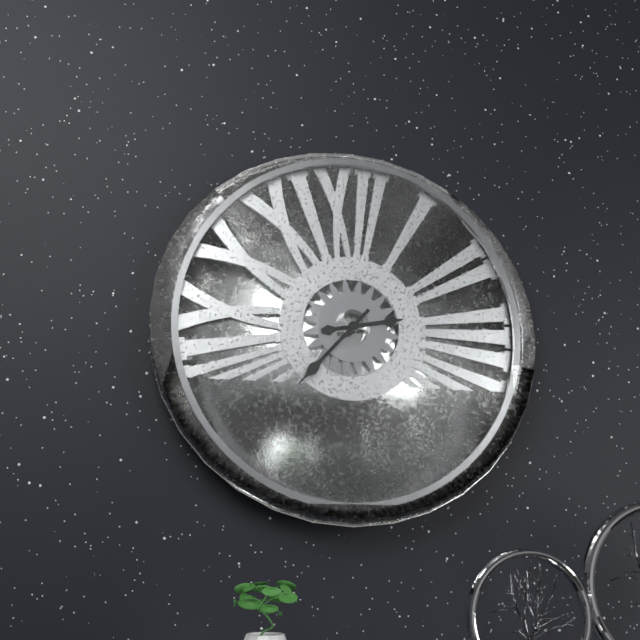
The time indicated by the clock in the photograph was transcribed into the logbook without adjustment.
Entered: 2:37
